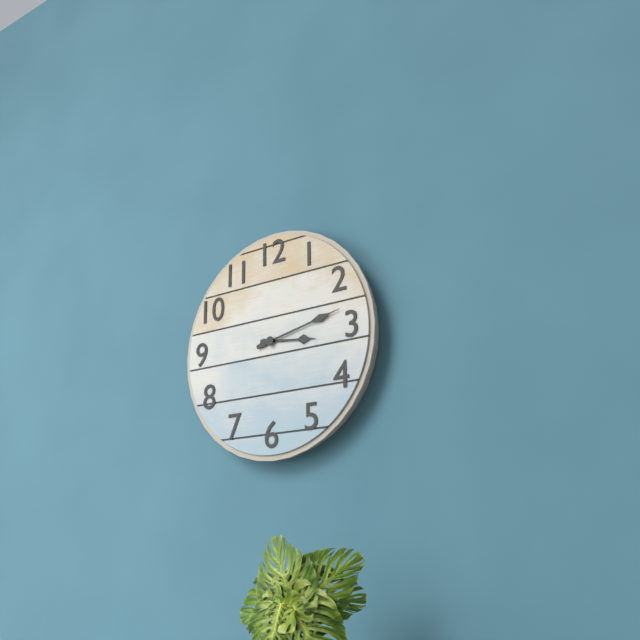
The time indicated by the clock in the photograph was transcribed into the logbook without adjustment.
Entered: 3:13
